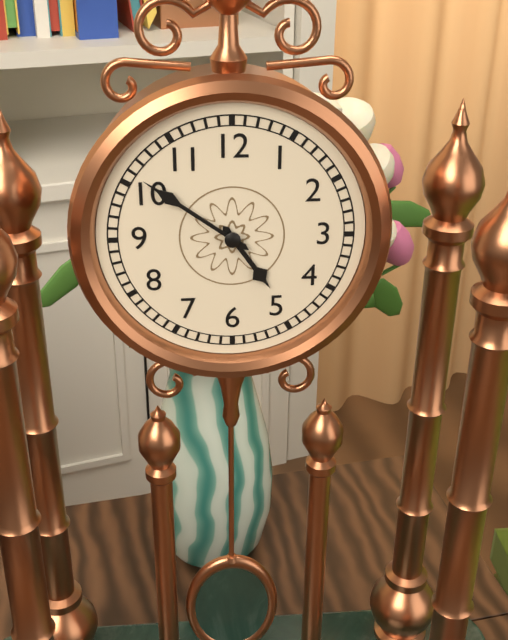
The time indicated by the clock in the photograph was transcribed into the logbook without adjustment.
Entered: 4:51
